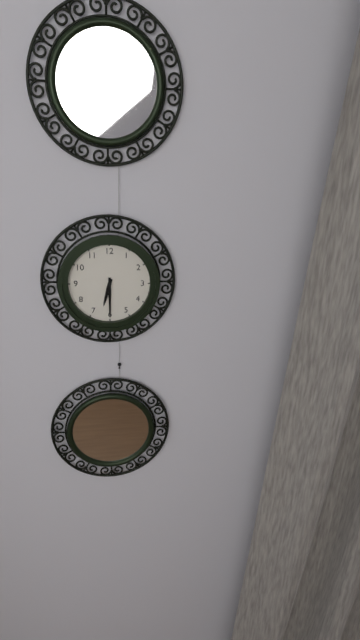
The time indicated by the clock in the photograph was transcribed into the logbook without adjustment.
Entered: 6:30
